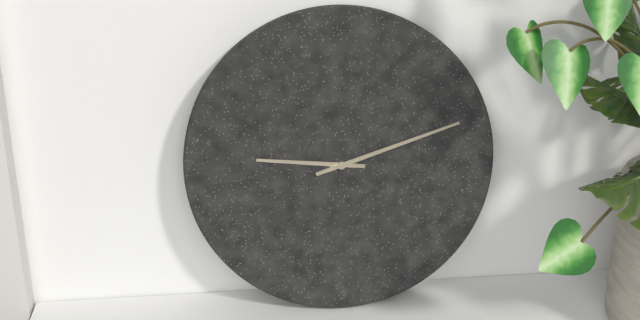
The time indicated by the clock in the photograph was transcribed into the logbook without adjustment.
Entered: 9:12
